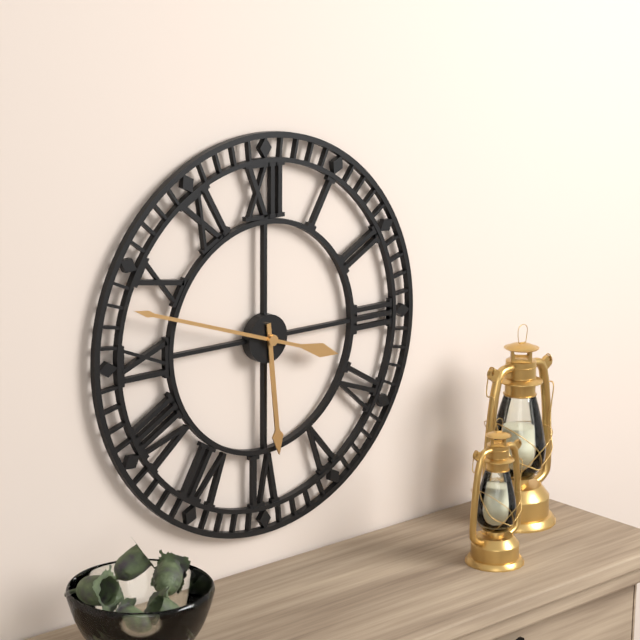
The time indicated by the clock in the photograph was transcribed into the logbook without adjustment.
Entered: 5:48
